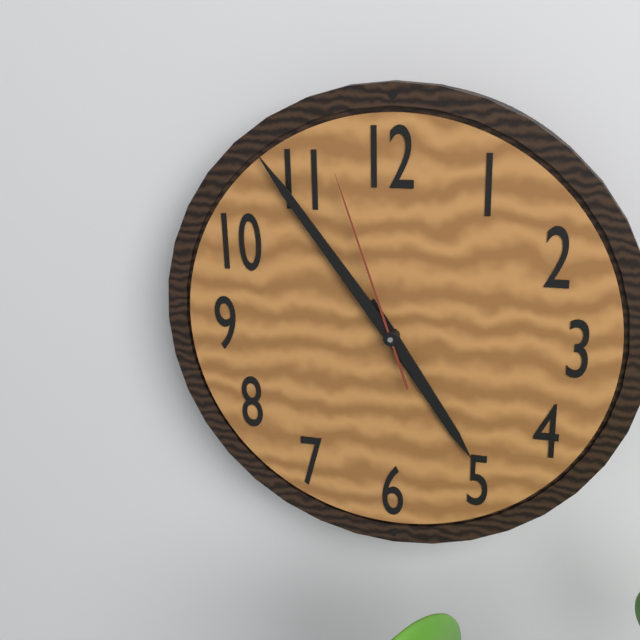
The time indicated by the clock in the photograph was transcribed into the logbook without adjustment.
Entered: 4:54:57
